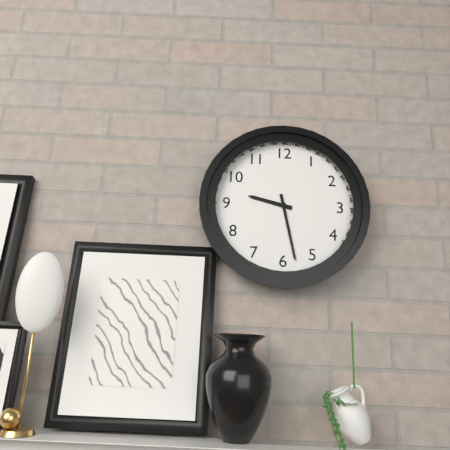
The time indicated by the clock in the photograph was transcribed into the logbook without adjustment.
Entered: 9:28
